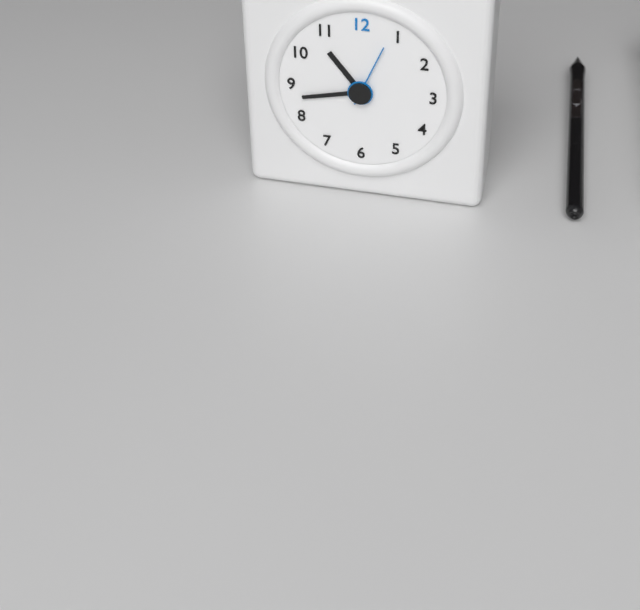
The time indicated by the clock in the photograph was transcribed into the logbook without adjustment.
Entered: 10:43:04
